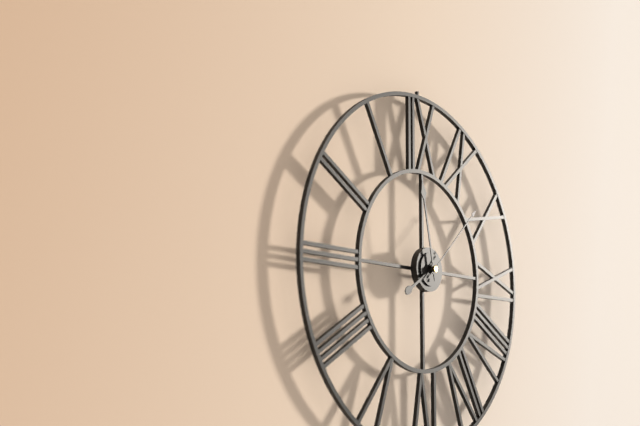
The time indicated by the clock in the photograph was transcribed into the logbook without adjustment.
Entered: 7:58:08
